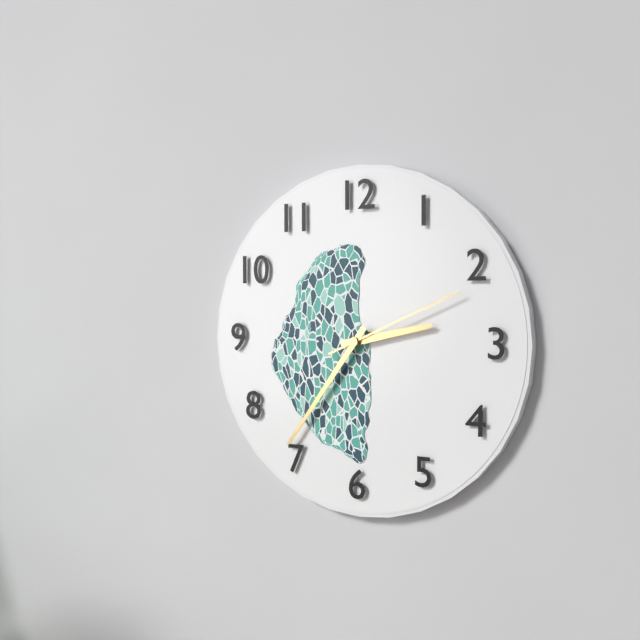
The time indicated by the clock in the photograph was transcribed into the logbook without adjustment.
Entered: 2:36:11
